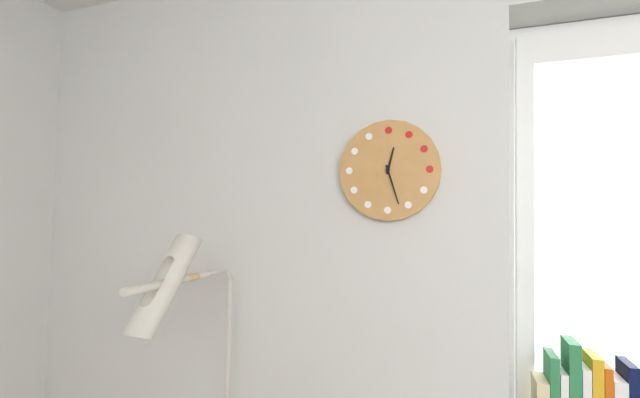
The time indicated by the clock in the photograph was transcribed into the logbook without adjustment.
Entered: 12:27
